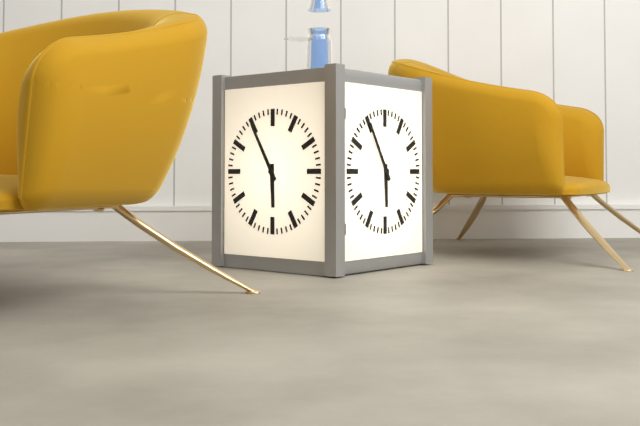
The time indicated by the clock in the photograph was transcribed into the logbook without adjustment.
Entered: 5:55
